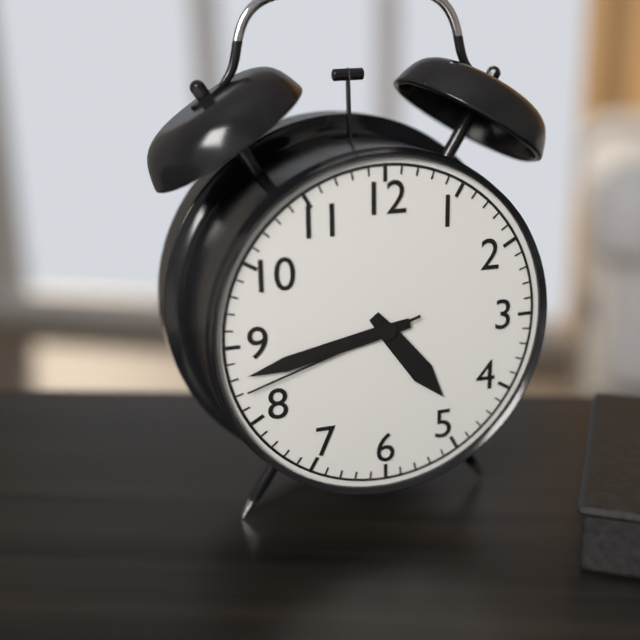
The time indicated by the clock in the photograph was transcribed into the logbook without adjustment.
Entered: 4:43:42
